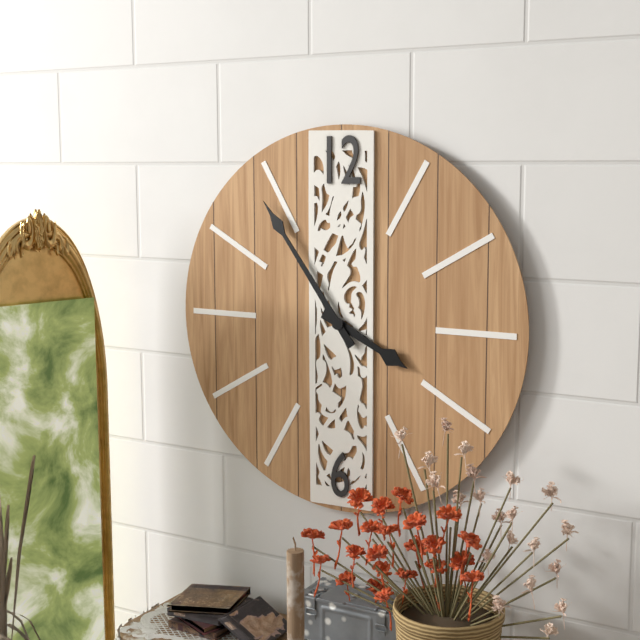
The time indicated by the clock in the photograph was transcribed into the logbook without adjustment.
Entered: 3:54
